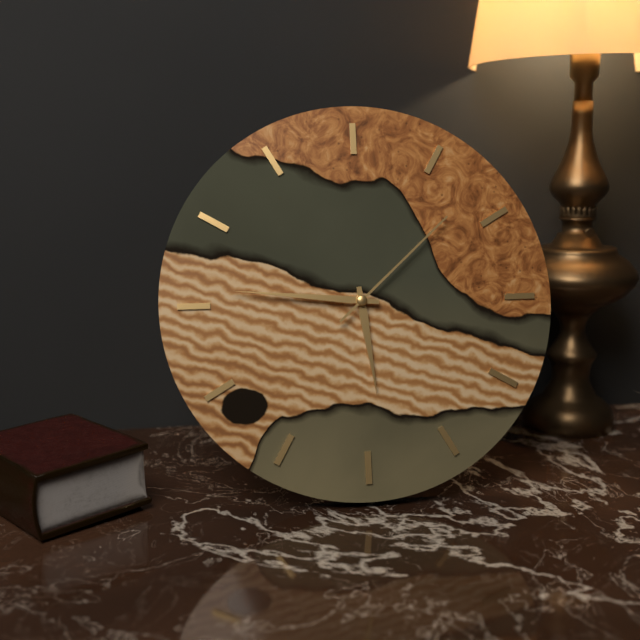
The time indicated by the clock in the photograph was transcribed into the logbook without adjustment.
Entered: 5:46:08
